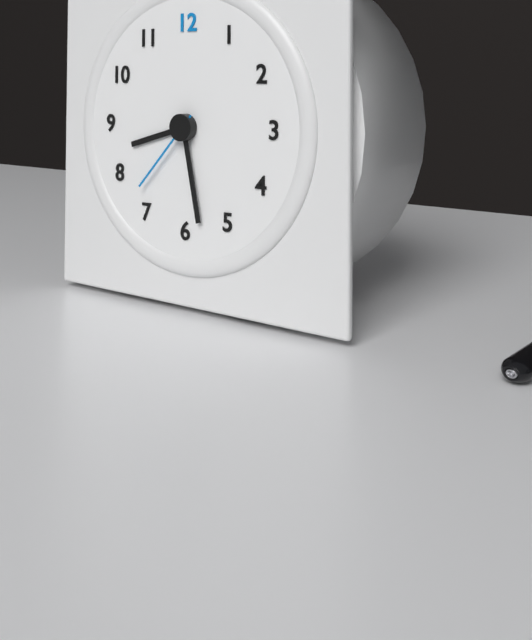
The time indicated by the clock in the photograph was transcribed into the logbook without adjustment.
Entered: 8:28:37
